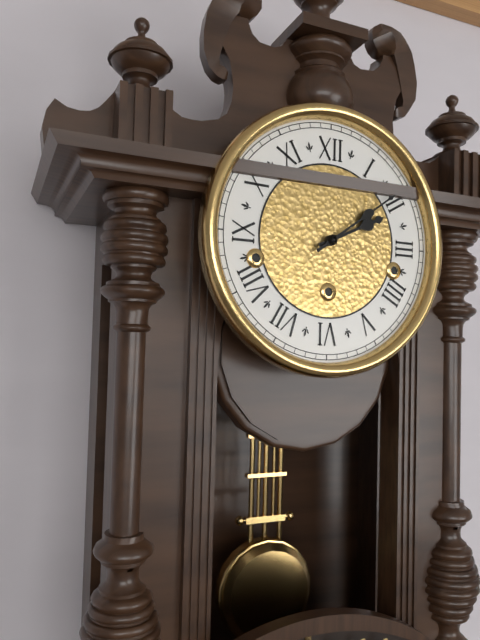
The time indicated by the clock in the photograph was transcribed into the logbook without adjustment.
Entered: 2:09
